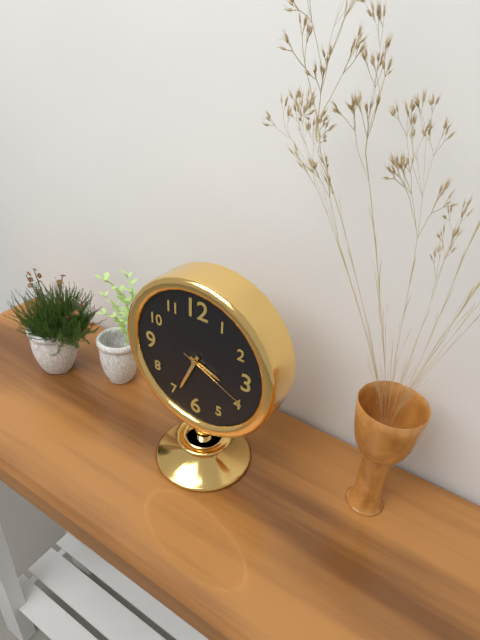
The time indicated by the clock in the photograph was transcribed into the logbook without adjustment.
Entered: 3:34:19
